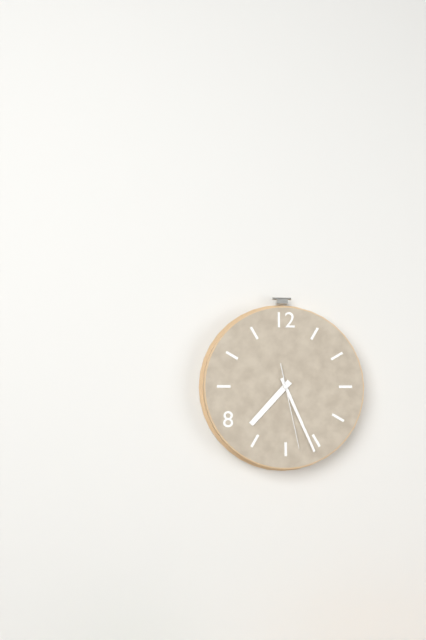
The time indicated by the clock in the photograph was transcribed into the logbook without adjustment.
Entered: 7:26:28
